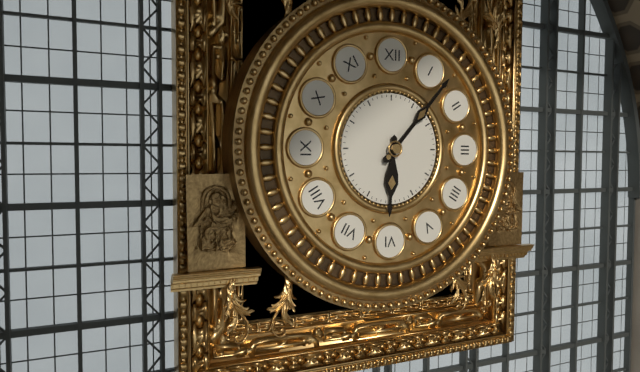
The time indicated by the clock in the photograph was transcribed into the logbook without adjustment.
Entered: 6:07
